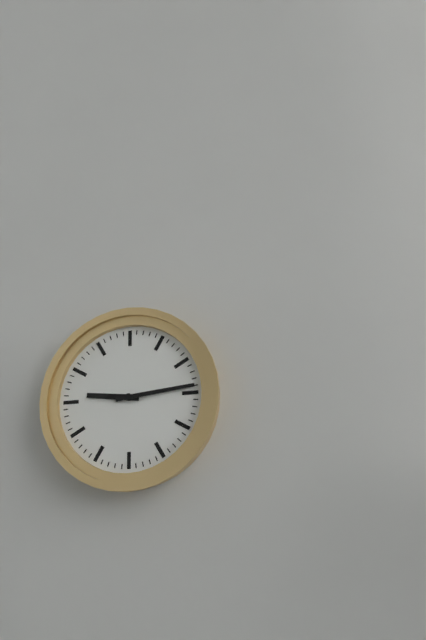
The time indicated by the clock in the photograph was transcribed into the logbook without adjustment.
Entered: 9:14
